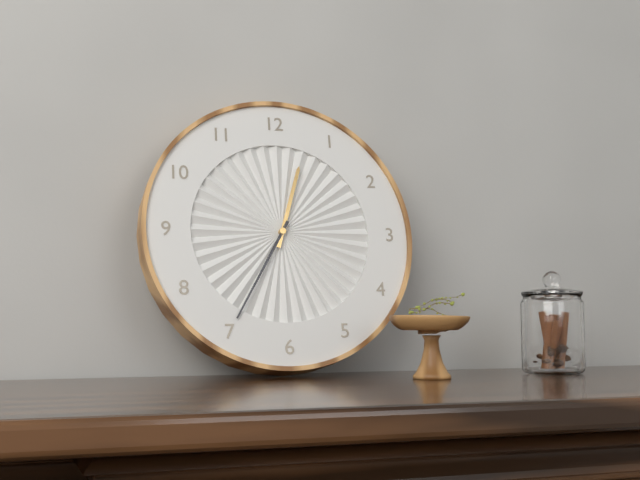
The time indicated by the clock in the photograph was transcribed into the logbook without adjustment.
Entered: 12:35
